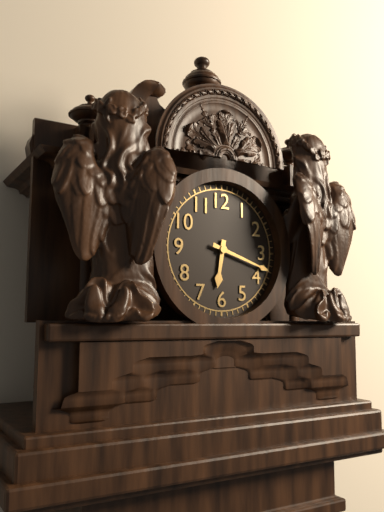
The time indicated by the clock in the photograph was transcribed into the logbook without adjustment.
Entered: 6:18
